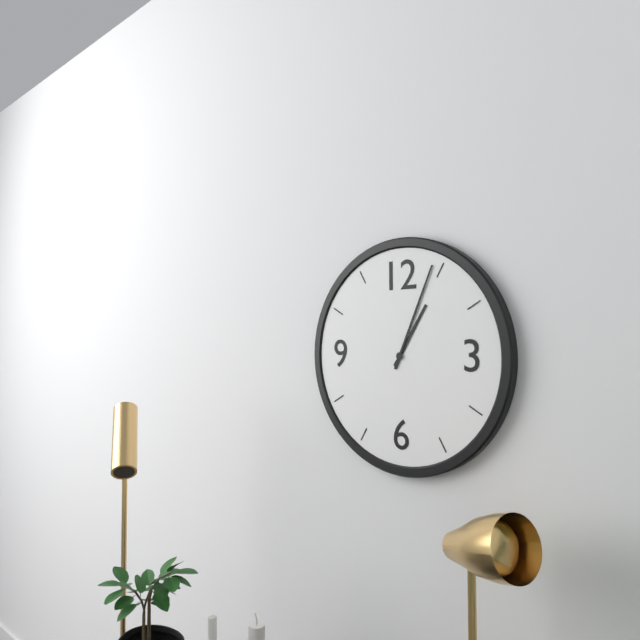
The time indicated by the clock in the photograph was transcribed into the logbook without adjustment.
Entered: 1:04
